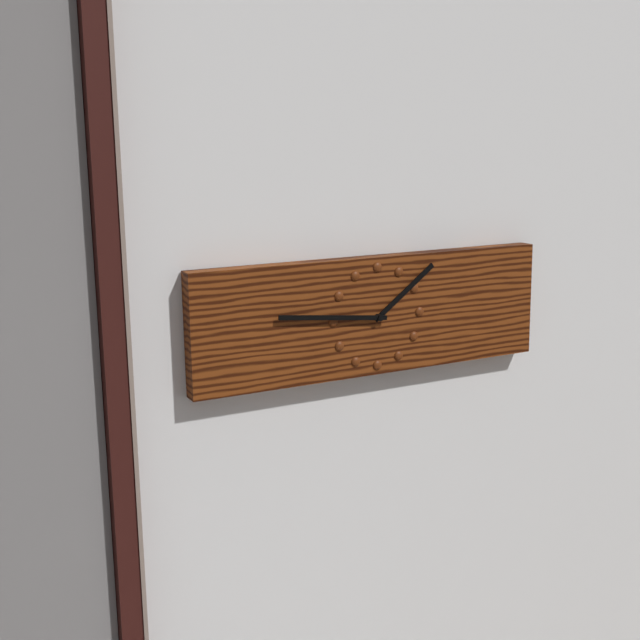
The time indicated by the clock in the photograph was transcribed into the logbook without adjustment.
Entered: 1:46
